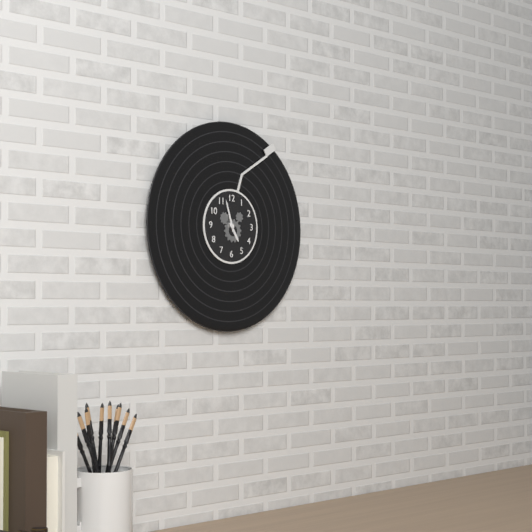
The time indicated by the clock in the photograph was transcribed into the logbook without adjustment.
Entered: 4:57
